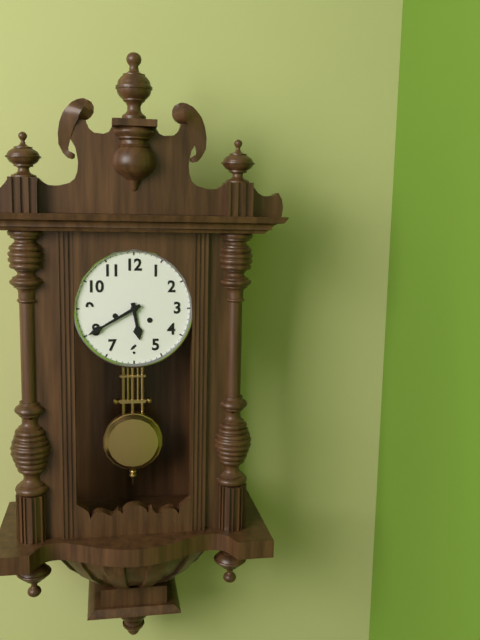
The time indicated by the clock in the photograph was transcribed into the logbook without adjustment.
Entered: 5:40
